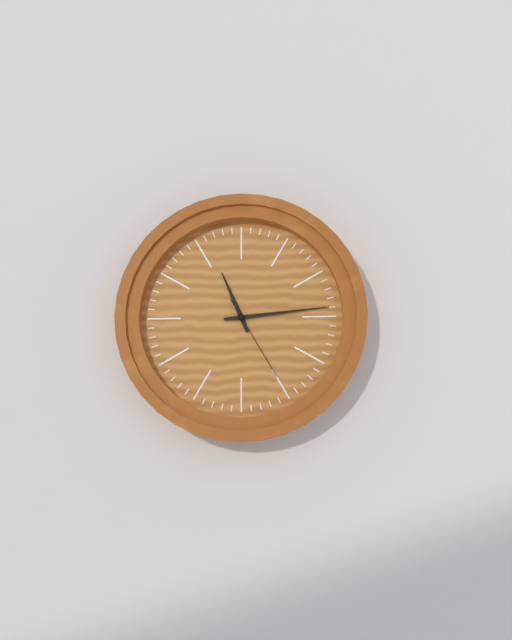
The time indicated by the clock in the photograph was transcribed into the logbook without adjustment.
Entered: 11:14:25
